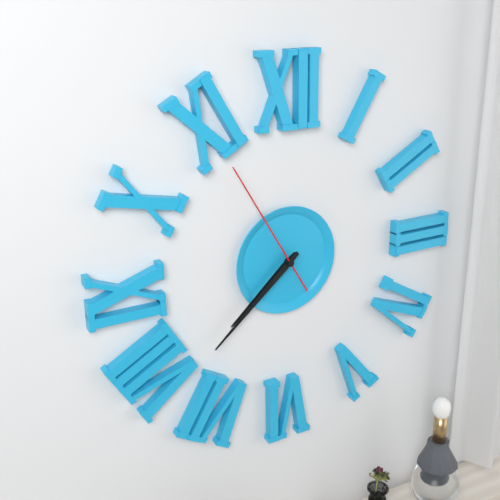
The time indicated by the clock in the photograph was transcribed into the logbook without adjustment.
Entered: 7:38:55
